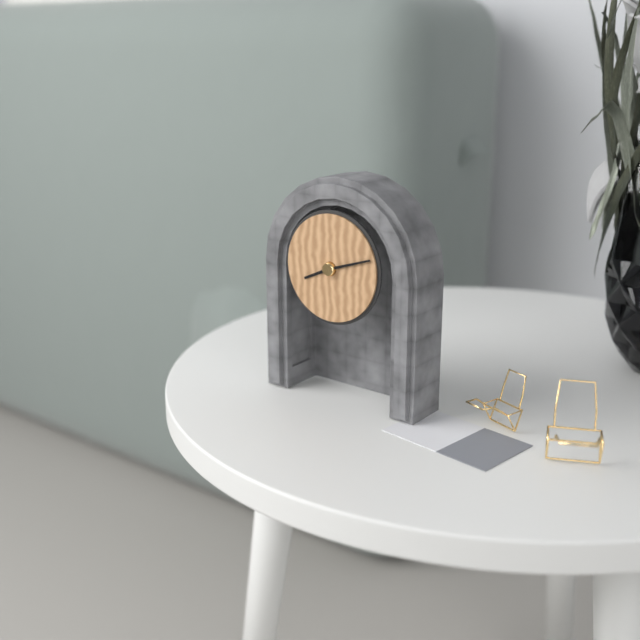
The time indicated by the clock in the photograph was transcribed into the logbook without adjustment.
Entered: 8:12
